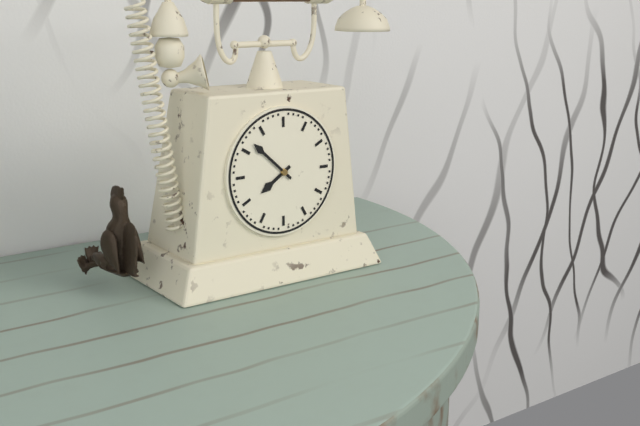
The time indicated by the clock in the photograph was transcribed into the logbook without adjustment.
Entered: 7:52
